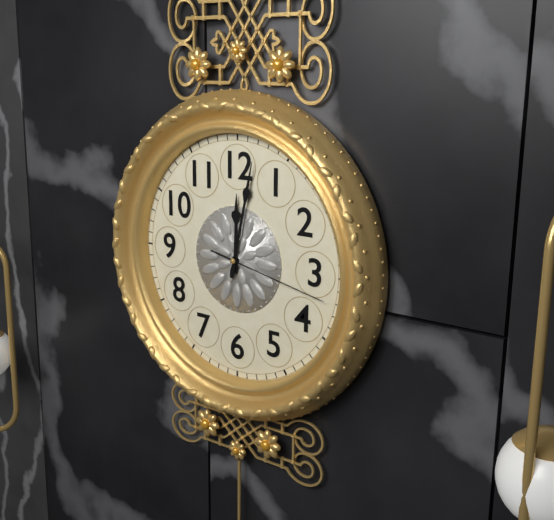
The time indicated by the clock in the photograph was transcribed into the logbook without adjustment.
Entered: 12:02:17
